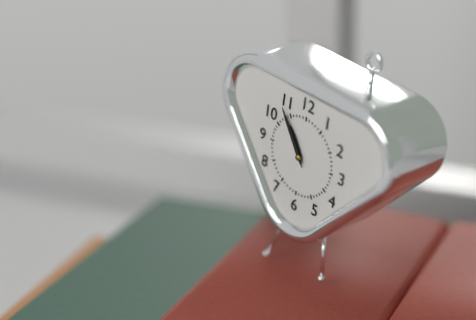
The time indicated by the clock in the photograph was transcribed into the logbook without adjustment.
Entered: 10:54
